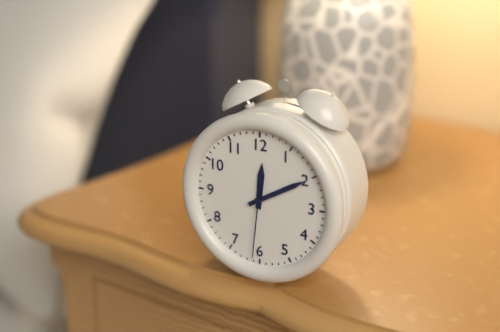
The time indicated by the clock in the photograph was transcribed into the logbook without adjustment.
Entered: 12:10:31
